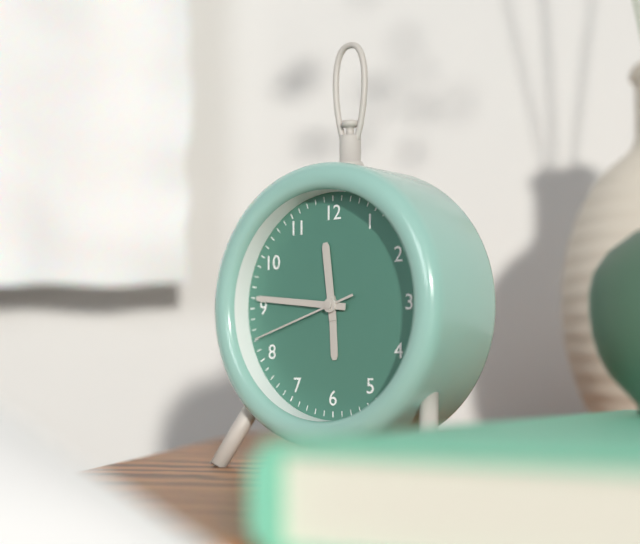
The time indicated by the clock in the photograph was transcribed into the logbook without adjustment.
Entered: 11:46:42
